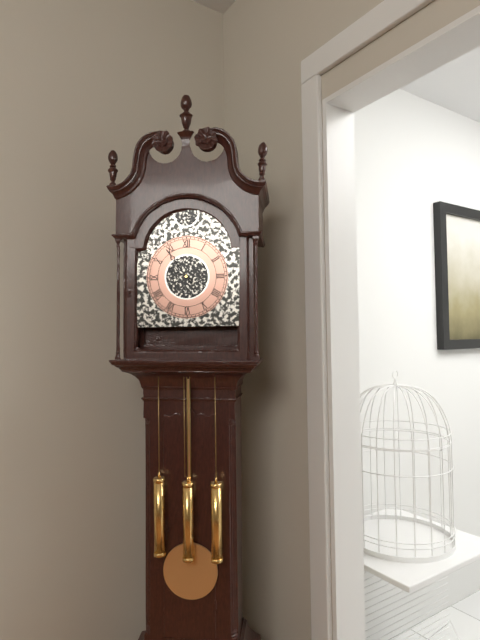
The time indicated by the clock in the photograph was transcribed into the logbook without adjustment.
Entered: 9:54
